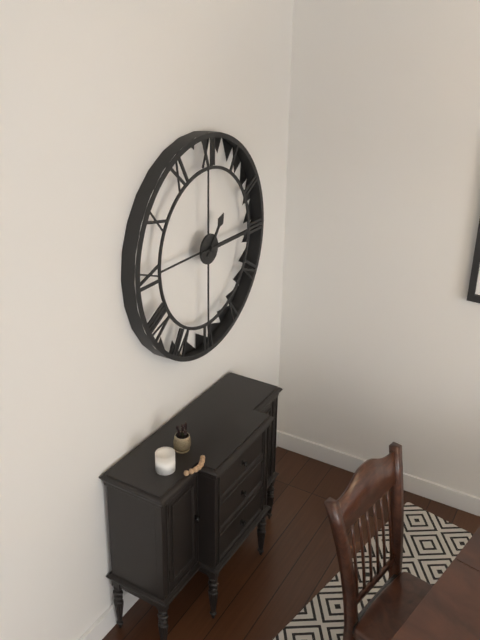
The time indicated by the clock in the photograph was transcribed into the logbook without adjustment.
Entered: 1:15
